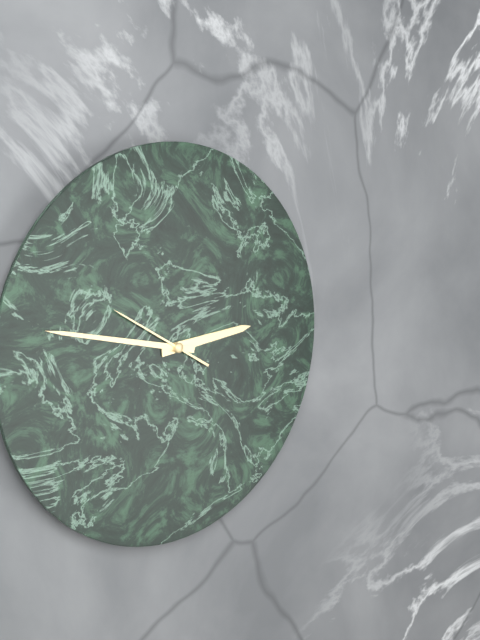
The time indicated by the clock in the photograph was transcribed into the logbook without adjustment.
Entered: 2:47:50
